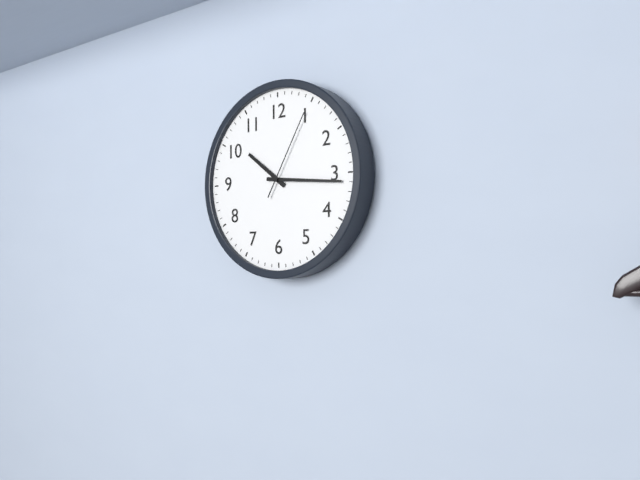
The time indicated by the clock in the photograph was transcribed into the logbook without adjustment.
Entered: 10:16:05
